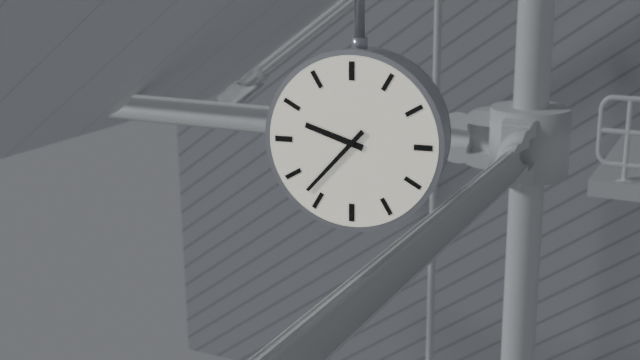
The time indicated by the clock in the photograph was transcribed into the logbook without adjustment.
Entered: 9:37
